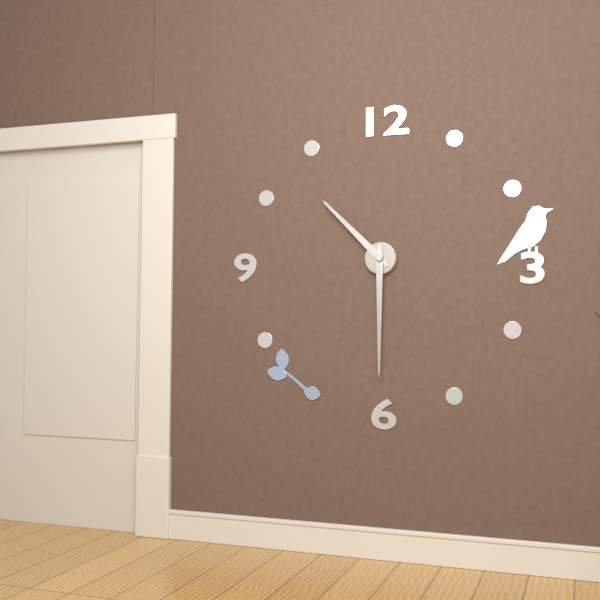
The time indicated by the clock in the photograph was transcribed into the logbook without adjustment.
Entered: 10:30
